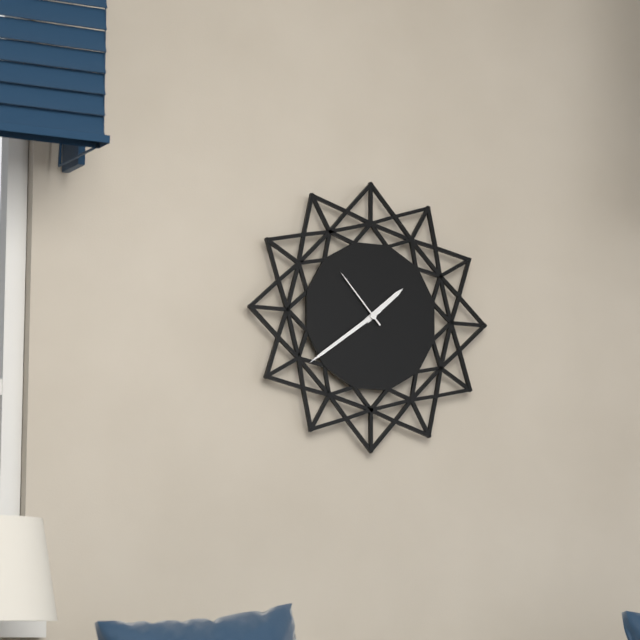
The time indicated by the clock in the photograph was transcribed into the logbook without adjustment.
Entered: 1:39:53
